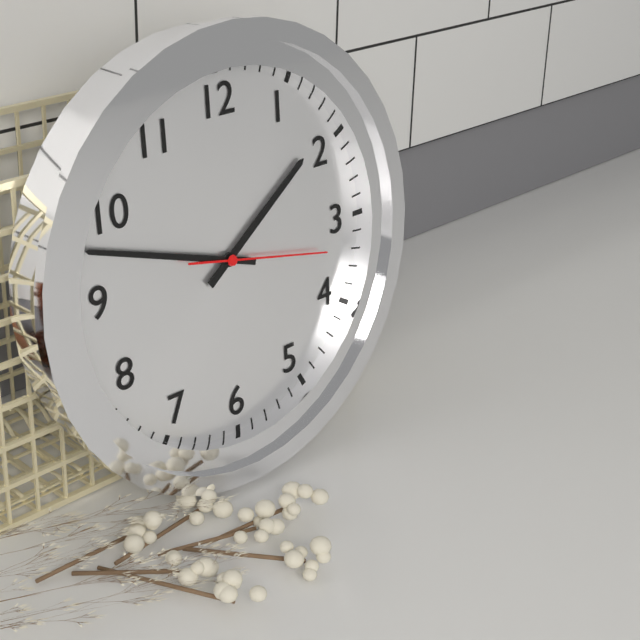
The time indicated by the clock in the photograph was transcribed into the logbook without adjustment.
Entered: 1:48:17
